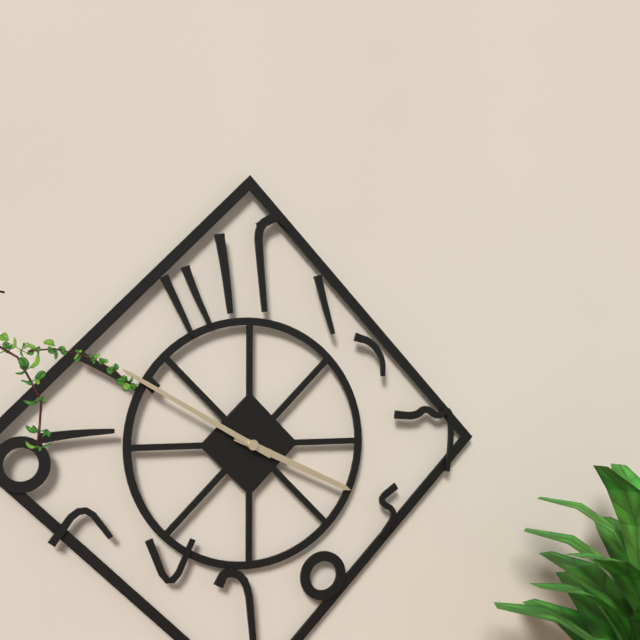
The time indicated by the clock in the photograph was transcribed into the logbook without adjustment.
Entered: 3:50
